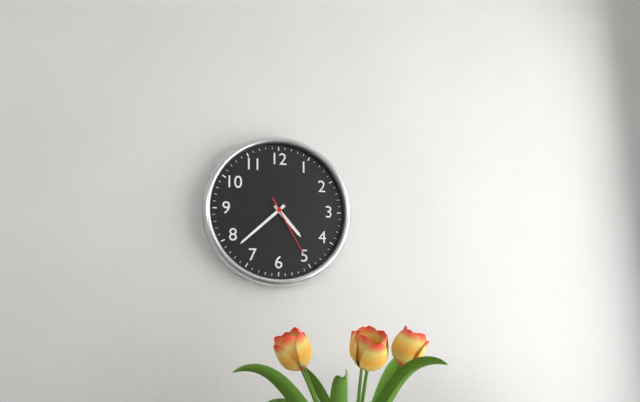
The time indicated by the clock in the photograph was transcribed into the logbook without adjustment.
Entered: 4:38:25
